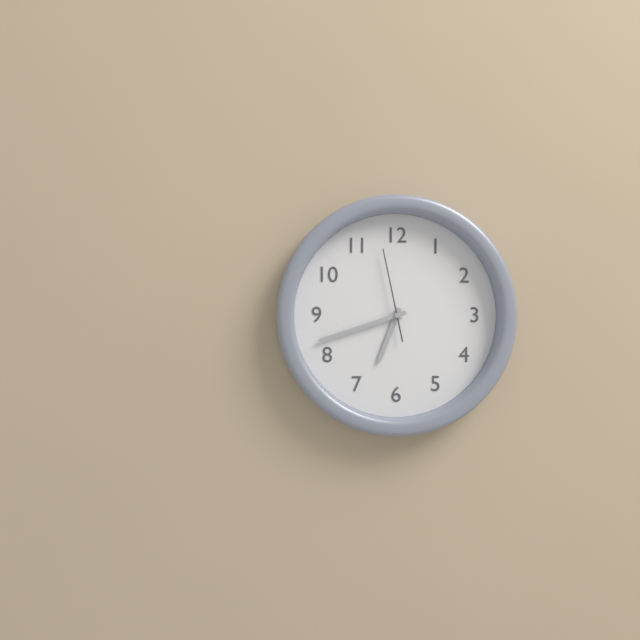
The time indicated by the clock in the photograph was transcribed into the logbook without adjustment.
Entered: 6:42:58
